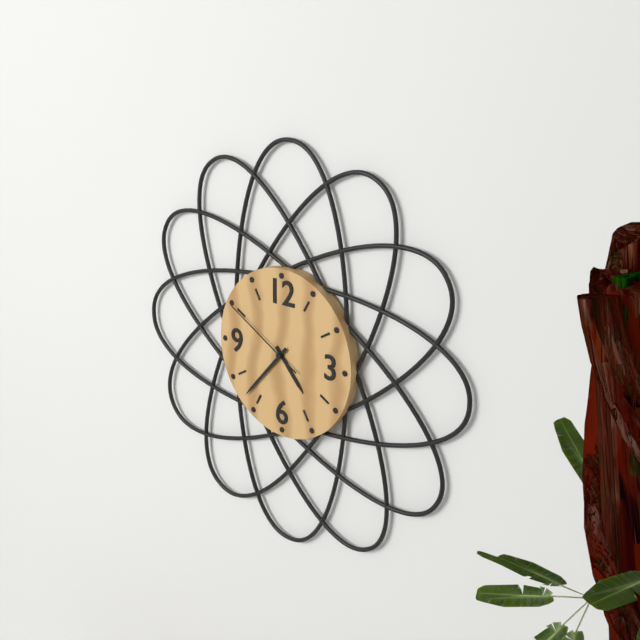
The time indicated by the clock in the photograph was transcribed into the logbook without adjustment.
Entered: 4:37:50
